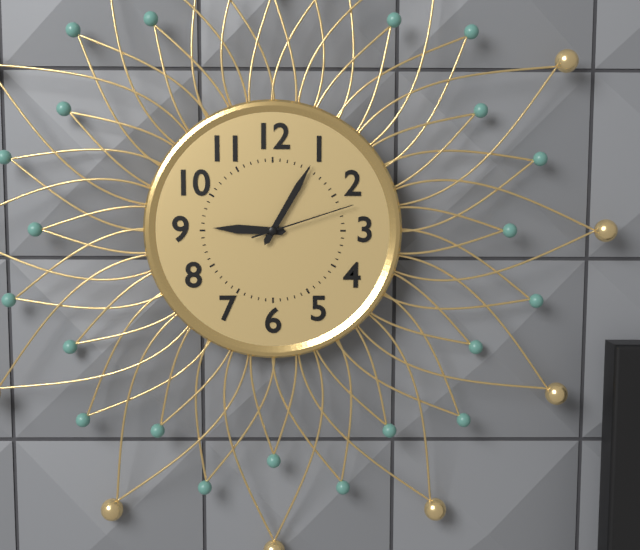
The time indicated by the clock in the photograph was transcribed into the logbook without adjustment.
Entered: 9:05:12
